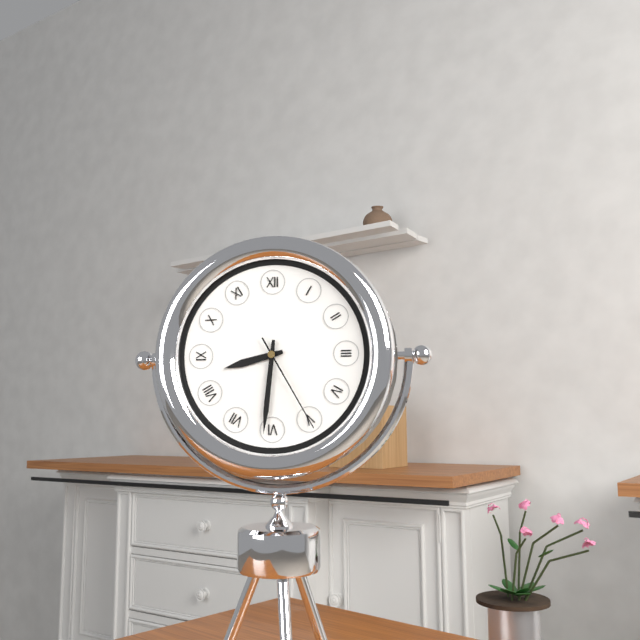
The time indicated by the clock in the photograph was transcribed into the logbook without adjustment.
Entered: 8:31:25
